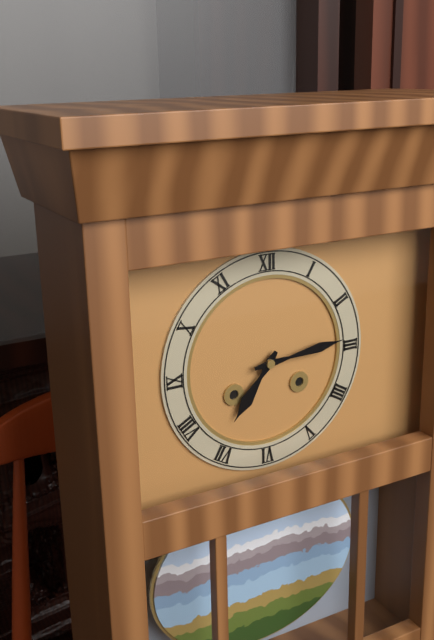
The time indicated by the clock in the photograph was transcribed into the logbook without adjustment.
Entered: 7:14
